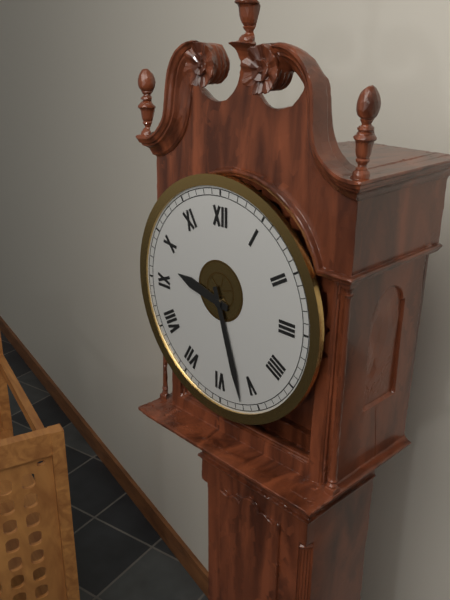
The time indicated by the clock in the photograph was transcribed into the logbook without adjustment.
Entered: 9:27
